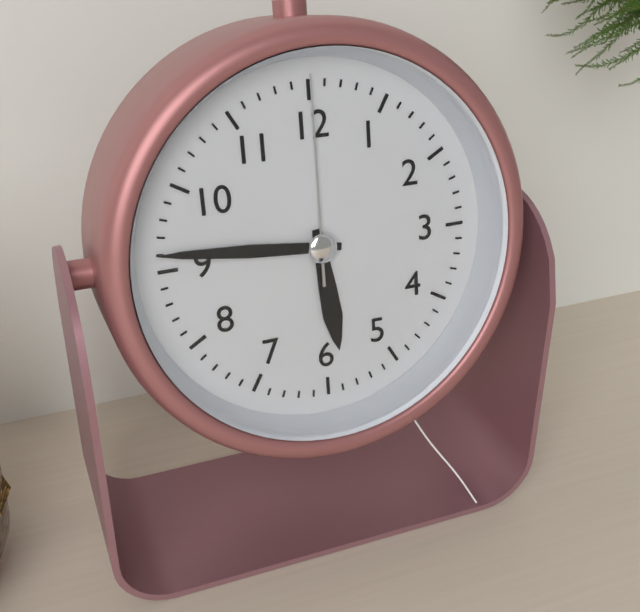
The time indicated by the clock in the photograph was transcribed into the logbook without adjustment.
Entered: 5:46:00
